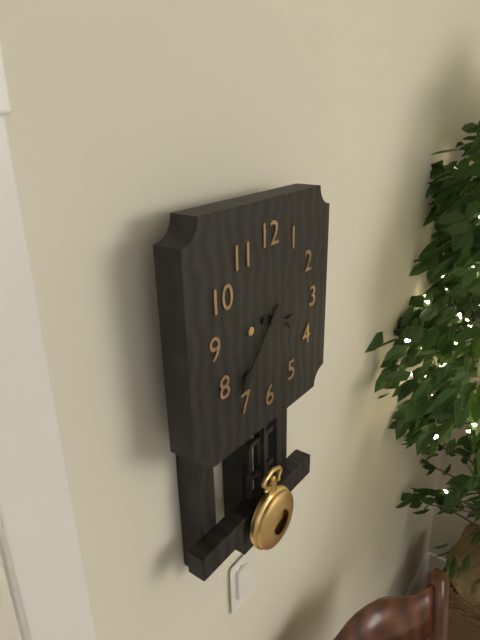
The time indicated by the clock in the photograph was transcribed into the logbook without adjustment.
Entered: 3:37
